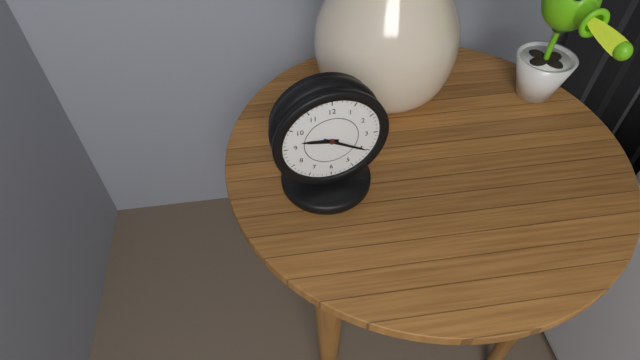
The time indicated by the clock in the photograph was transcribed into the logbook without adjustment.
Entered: 9:20
